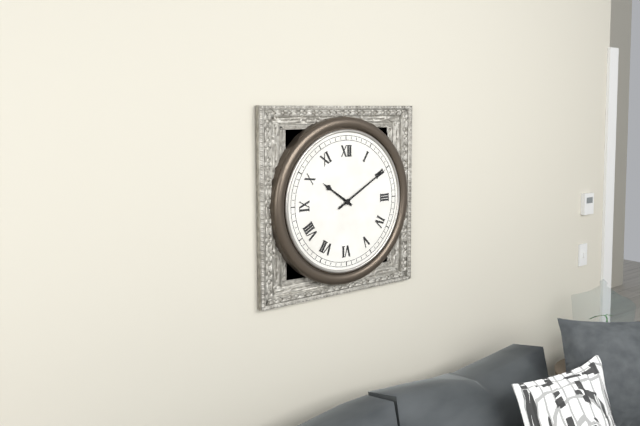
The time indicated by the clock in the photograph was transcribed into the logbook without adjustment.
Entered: 10:10
